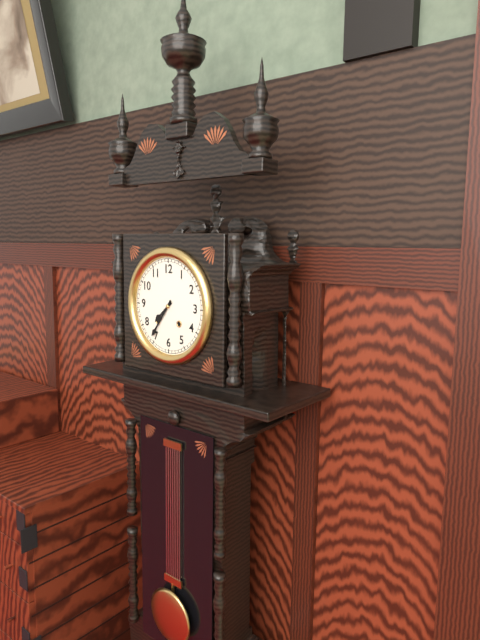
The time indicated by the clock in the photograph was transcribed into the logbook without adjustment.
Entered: 7:36
